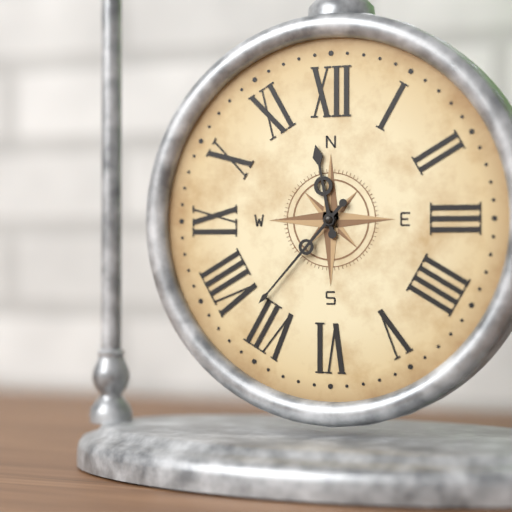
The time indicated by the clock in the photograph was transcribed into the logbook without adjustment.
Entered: 11:37
